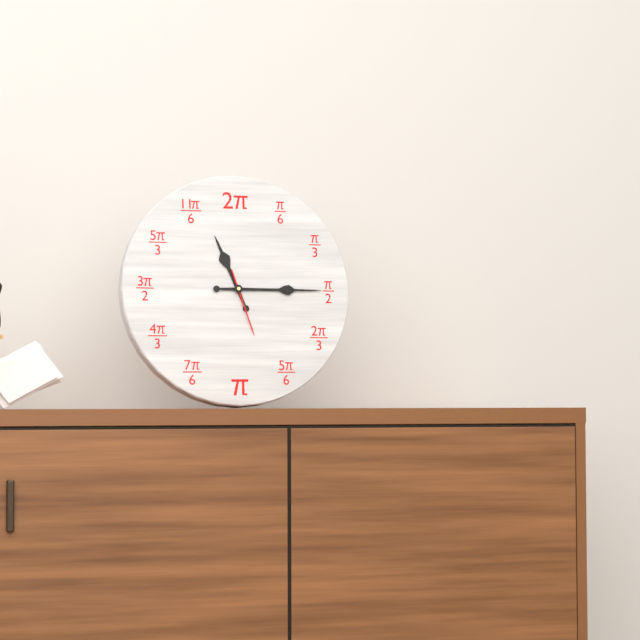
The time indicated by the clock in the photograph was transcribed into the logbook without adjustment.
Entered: 11:15:27
